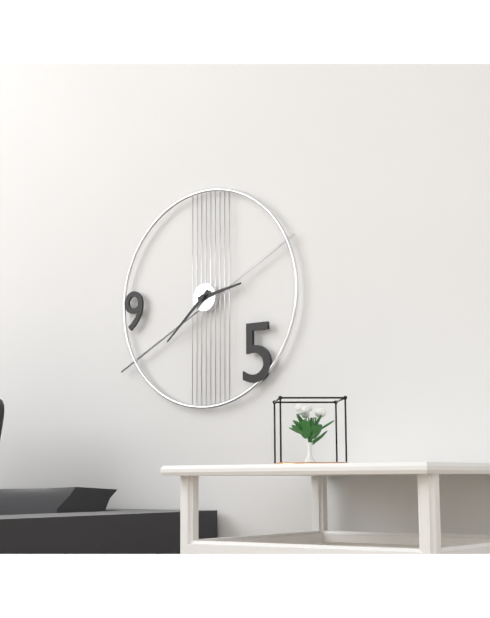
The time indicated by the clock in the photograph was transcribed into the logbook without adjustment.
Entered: 2:38
